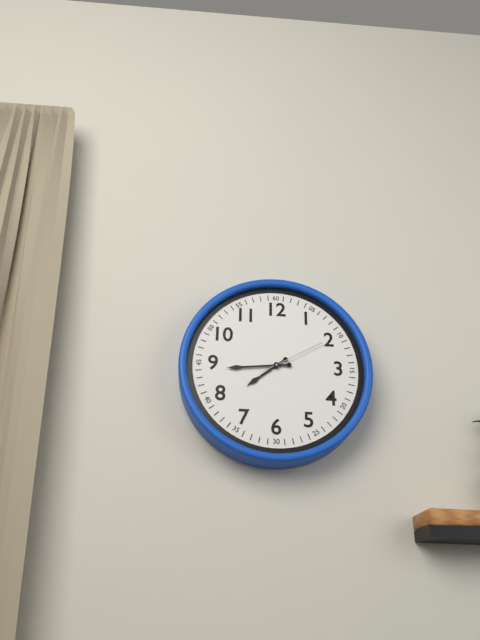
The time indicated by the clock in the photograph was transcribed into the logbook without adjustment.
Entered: 7:44:10
